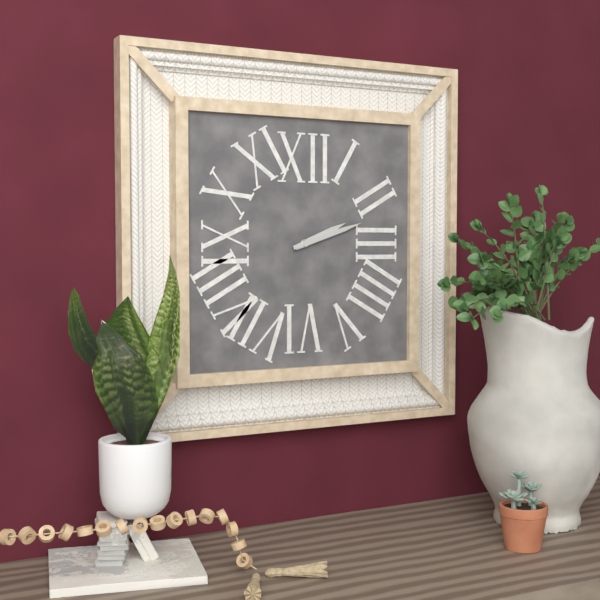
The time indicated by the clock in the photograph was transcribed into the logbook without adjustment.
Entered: 2:12
